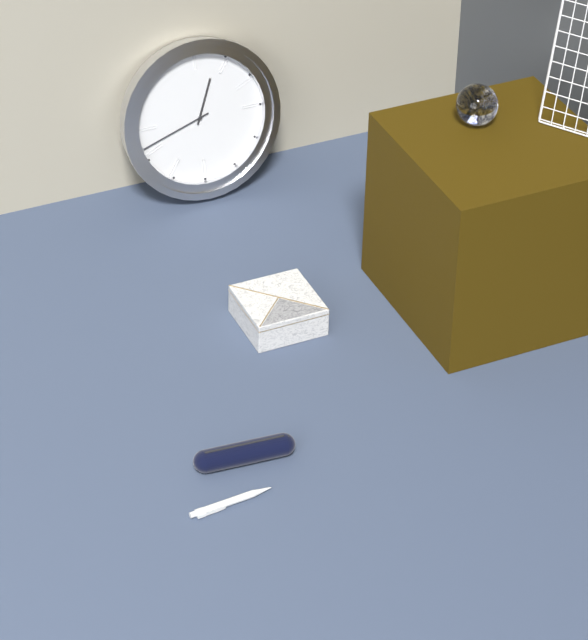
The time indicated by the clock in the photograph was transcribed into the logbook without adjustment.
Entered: 12:42
